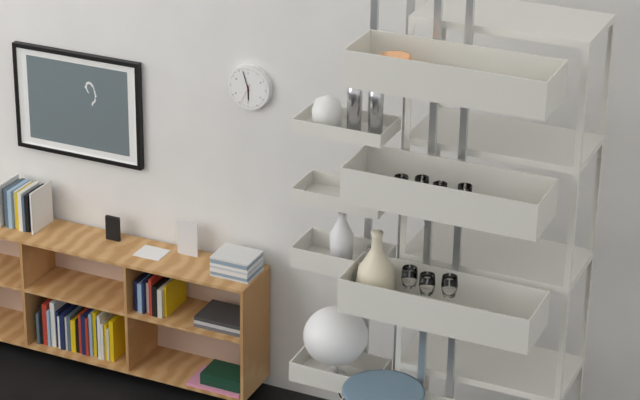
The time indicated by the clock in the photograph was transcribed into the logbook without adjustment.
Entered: 5:57
